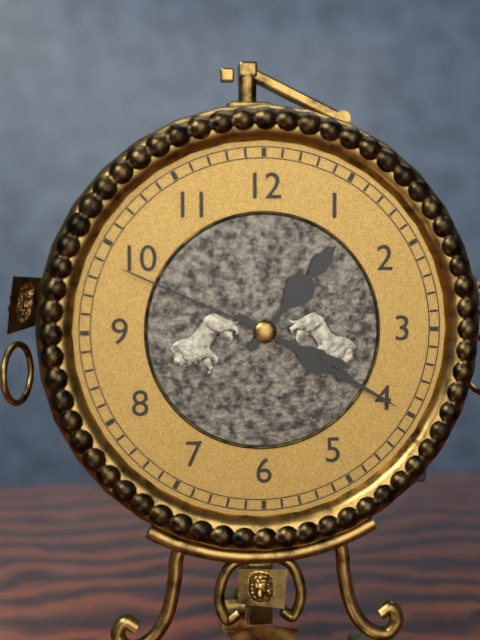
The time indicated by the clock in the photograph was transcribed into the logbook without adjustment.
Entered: 1:20:49
